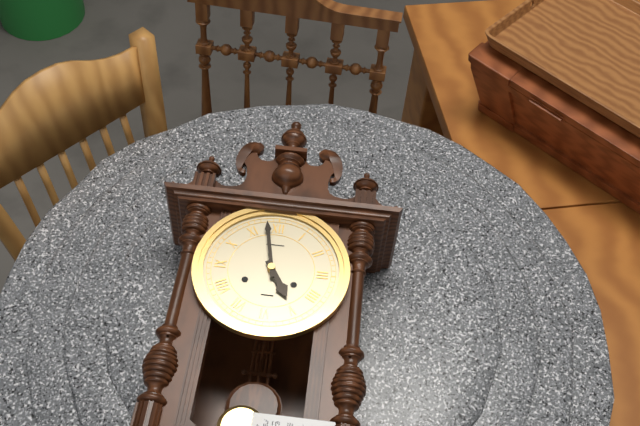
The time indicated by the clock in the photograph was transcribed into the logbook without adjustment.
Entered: 4:58
